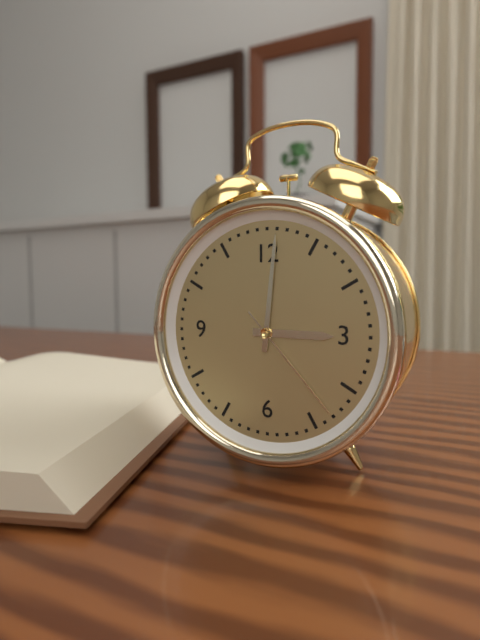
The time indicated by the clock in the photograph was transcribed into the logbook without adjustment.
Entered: 3:01:23
